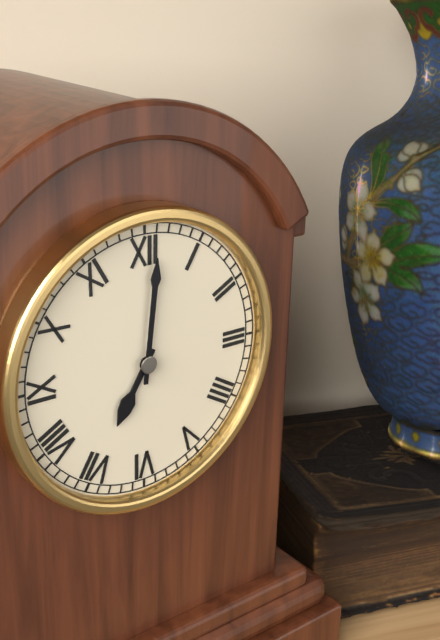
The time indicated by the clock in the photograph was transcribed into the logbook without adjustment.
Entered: 7:01
